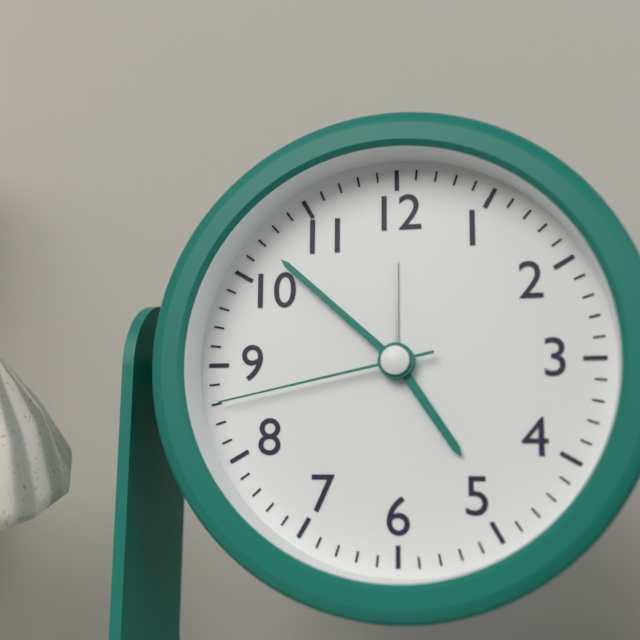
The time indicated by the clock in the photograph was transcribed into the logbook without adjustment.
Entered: 4:52:43
